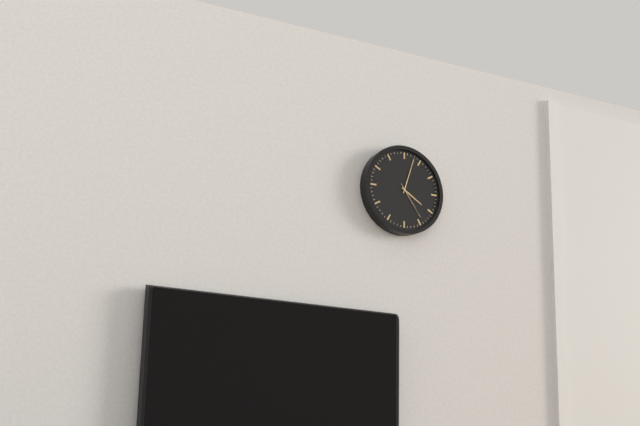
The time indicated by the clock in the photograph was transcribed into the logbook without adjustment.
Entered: 4:03
